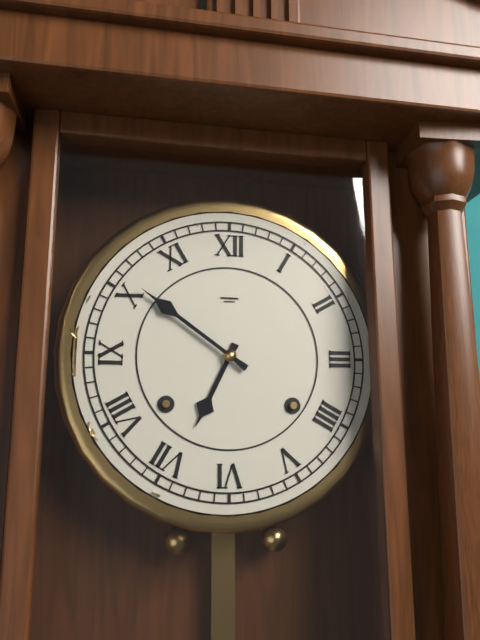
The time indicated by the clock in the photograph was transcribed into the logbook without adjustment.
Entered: 6:51
